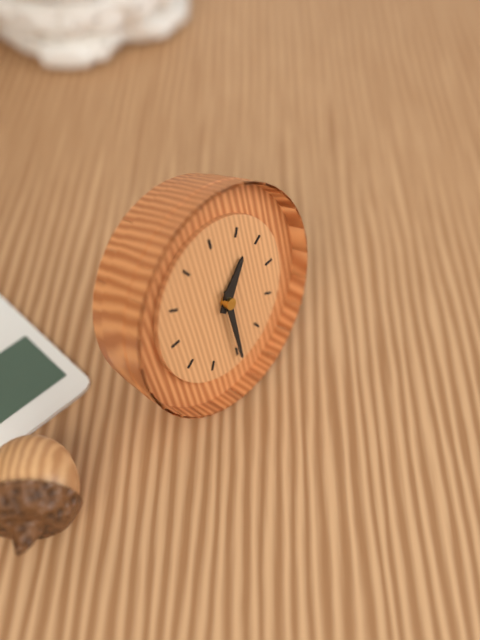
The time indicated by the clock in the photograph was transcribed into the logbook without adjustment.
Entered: 1:30
